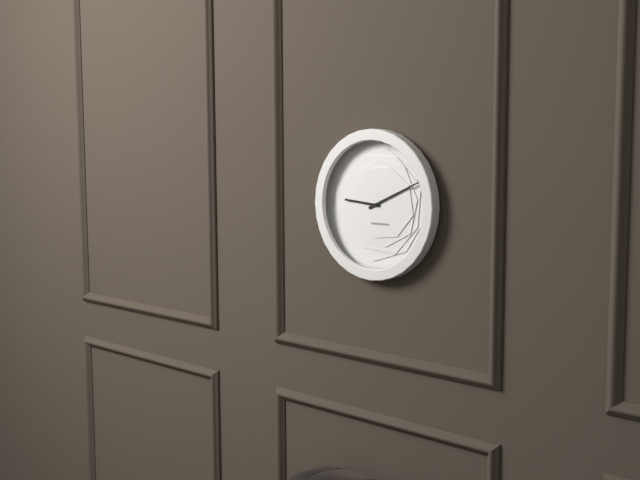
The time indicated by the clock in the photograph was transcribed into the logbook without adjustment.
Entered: 9:11
